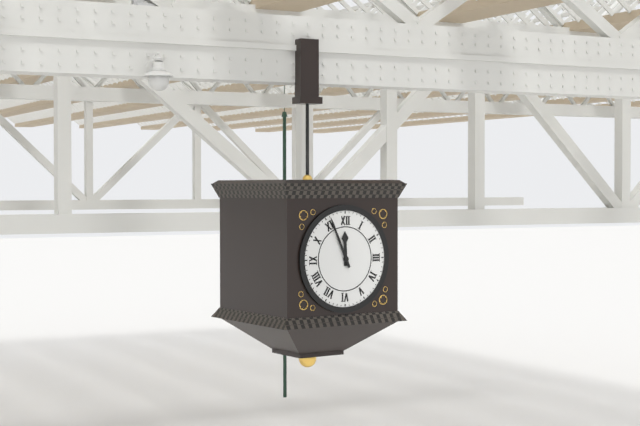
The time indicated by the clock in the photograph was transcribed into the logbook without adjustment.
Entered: 11:56
